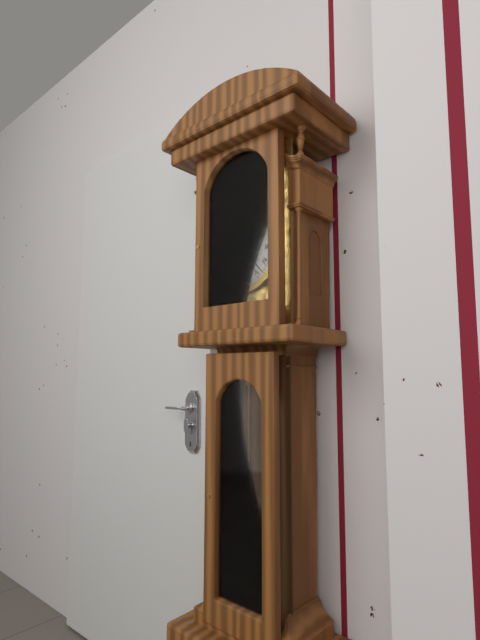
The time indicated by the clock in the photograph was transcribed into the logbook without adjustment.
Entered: 10:23
